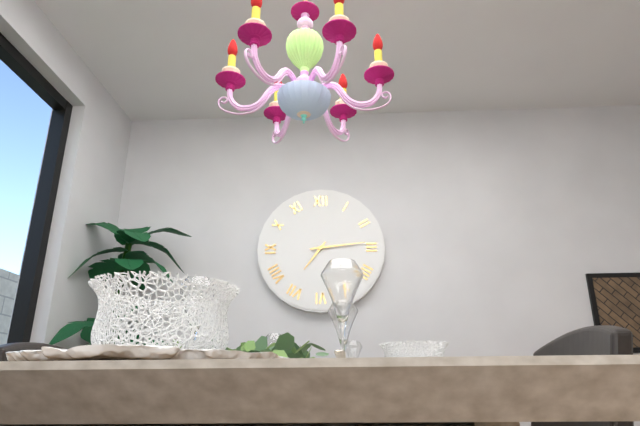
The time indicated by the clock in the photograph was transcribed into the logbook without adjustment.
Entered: 7:14
